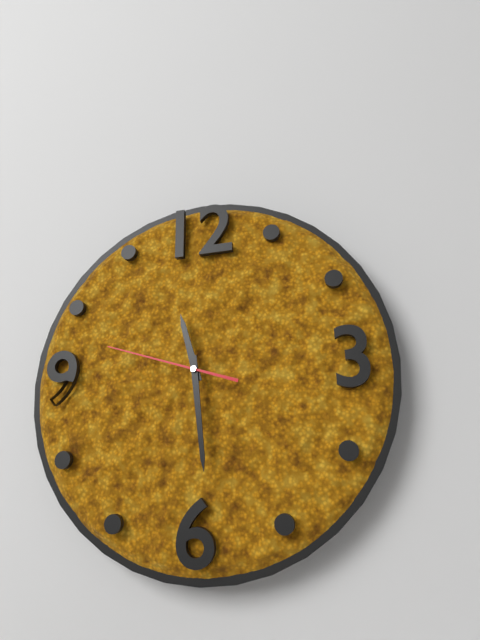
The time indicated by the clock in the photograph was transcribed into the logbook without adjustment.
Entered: 11:29:48
